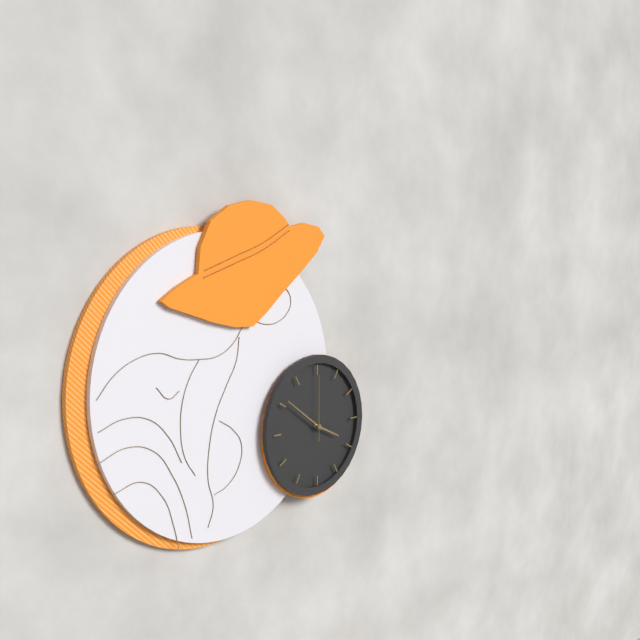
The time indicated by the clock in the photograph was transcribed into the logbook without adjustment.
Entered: 3:51:00
